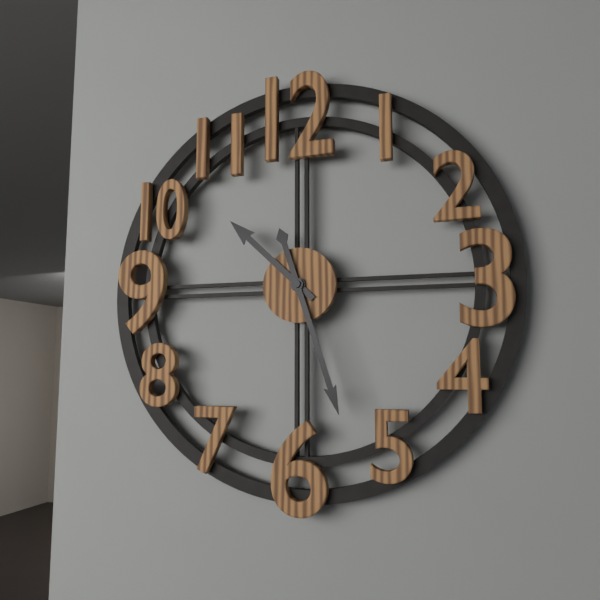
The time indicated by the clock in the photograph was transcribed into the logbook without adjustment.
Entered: 10:27
